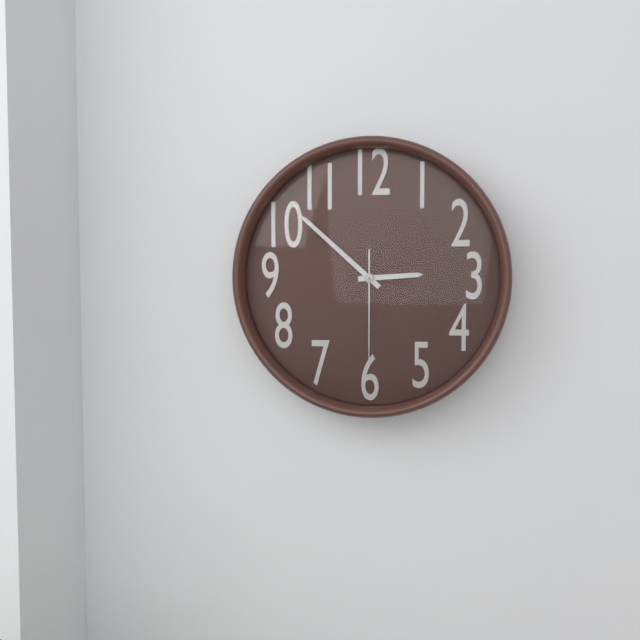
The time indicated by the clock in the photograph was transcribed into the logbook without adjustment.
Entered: 2:52:30
